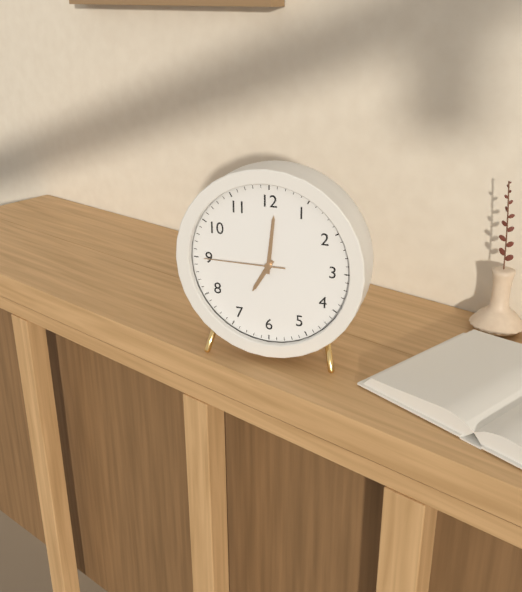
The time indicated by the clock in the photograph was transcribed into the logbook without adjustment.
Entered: 7:01:45
